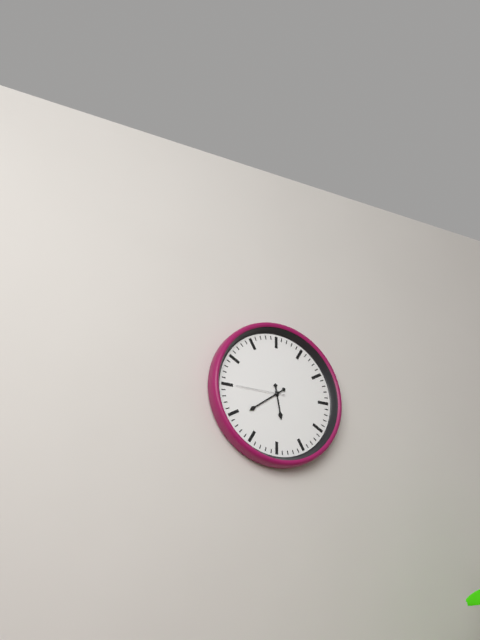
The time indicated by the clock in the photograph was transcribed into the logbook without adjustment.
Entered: 5:39
